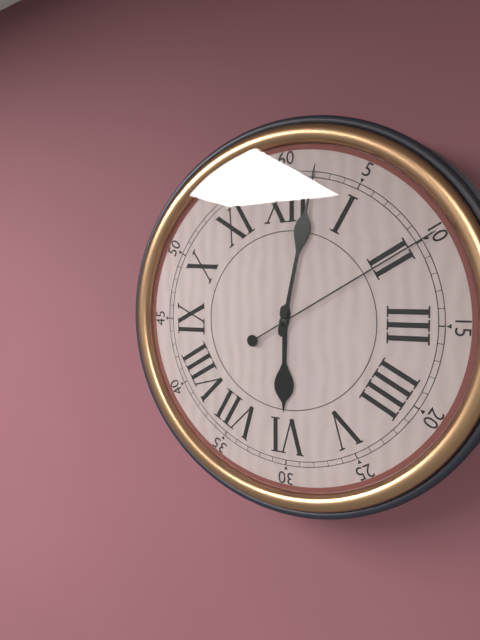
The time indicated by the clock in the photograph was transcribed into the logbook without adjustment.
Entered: 6:02:10
